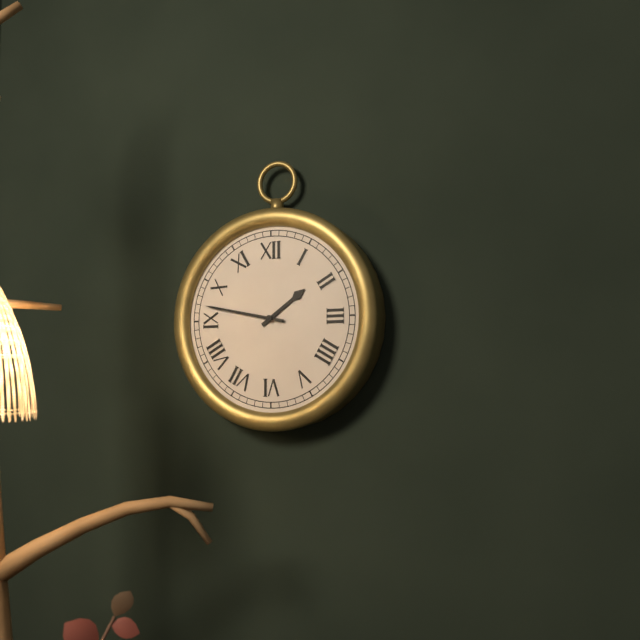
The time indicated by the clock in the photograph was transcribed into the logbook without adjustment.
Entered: 1:47
